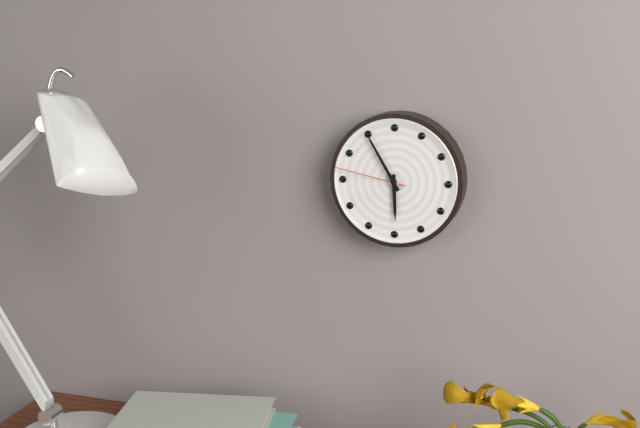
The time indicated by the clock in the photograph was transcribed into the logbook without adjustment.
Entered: 5:55:47
